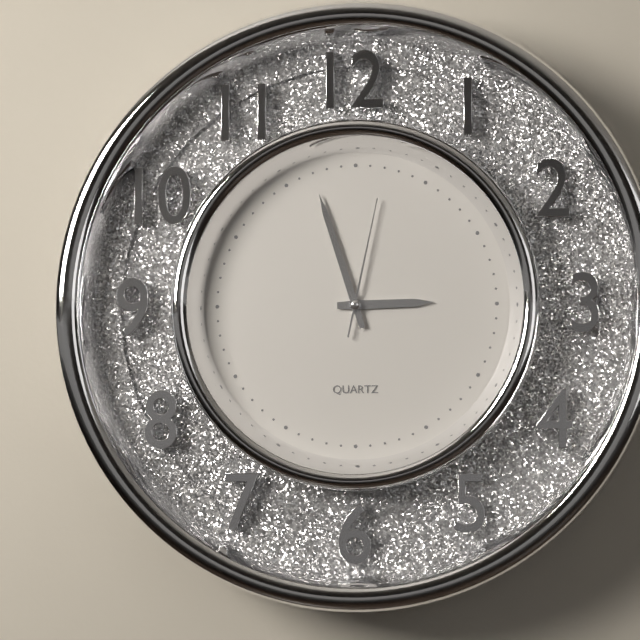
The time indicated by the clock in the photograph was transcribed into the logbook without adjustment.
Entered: 2:57:02
